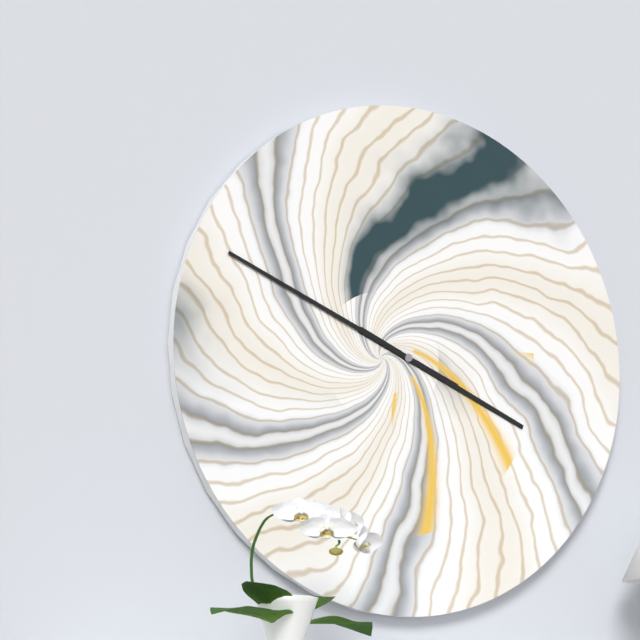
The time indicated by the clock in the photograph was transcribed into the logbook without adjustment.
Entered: 3:49
